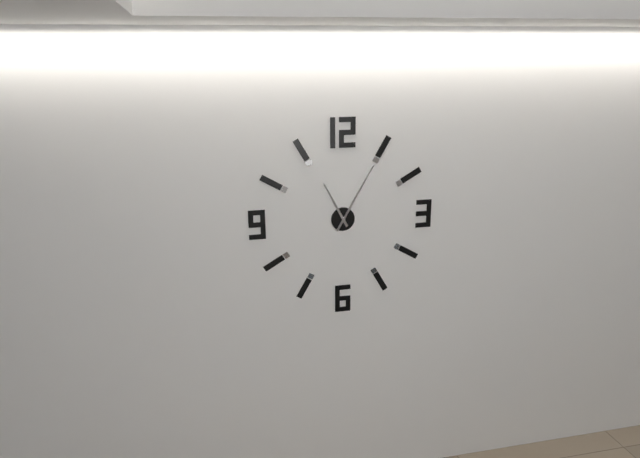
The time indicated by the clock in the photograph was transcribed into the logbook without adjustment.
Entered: 11:05
